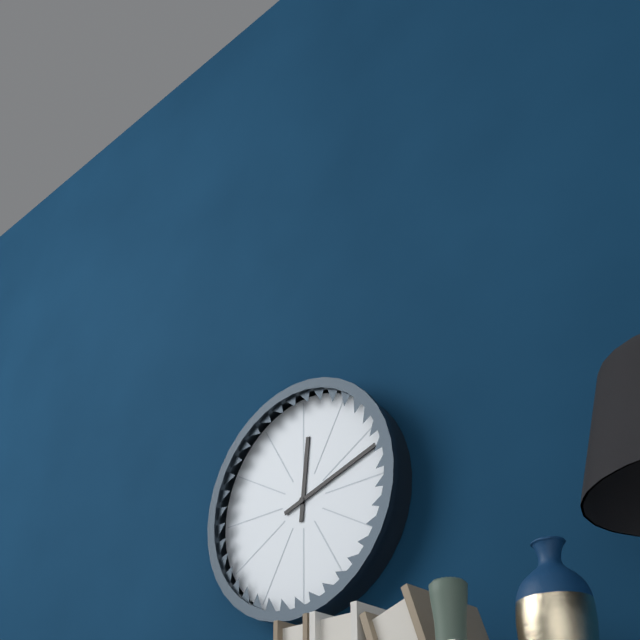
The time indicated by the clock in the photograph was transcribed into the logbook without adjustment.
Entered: 12:12
